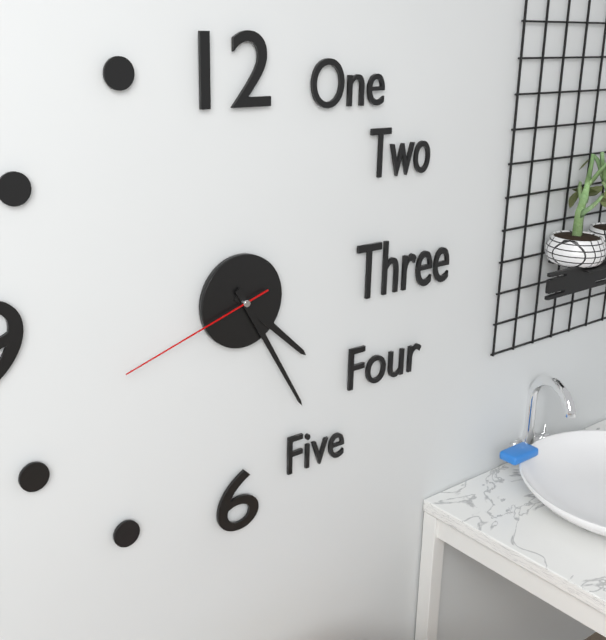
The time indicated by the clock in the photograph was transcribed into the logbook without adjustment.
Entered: 4:25:42
